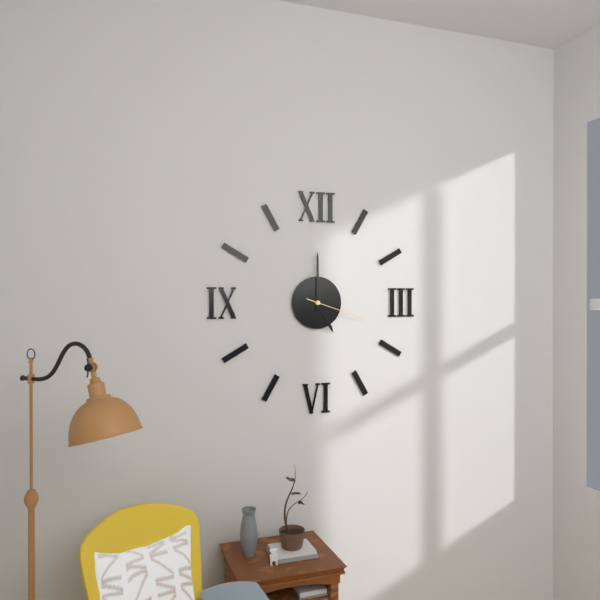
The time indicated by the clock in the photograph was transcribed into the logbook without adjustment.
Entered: 5:00:18
